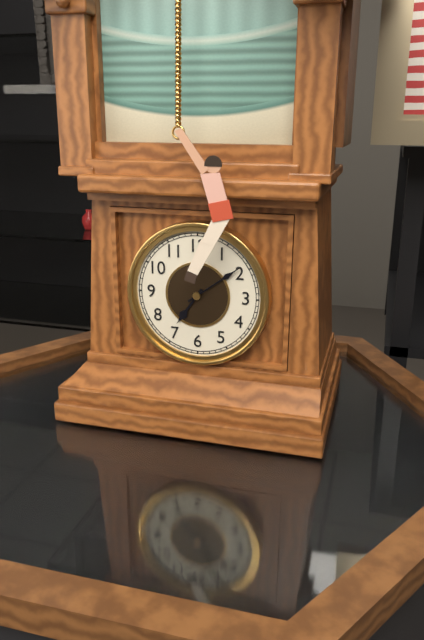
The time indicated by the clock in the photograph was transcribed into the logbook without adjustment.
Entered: 7:09
